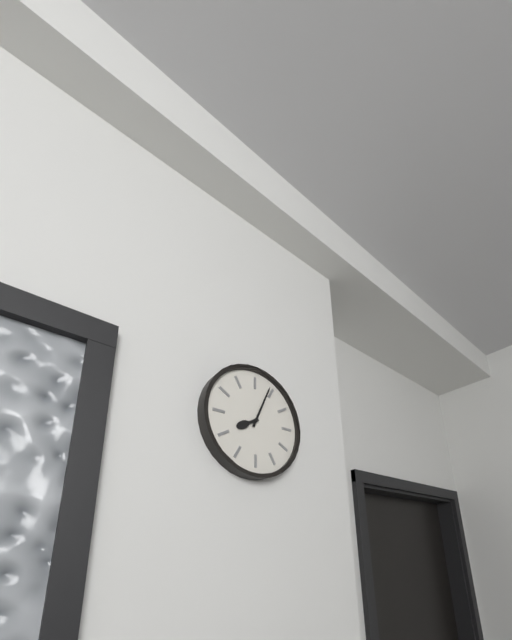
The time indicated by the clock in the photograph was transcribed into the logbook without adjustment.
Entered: 8:04
